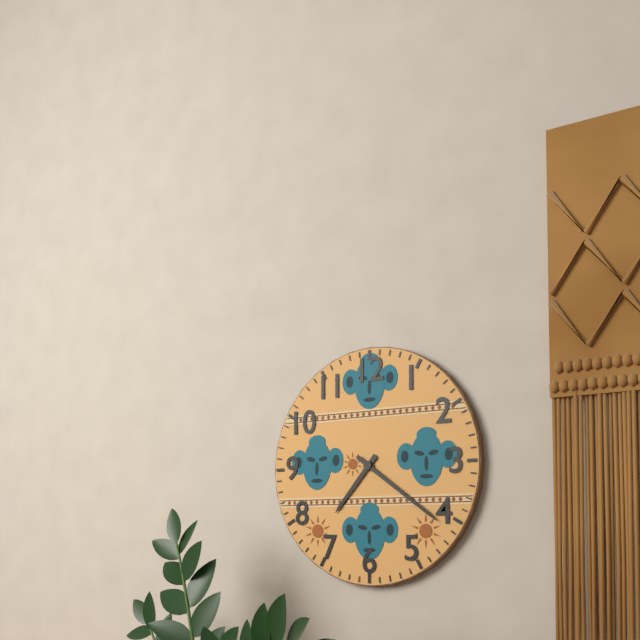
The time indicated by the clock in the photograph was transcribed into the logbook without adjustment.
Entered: 7:21
